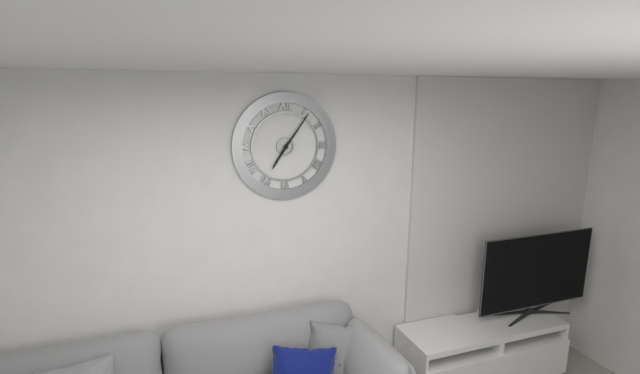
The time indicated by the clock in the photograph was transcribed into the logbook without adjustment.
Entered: 7:06
